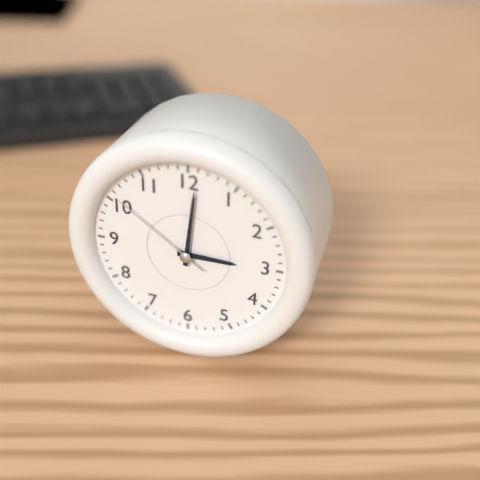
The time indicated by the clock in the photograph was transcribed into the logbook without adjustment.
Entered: 3:01:51
